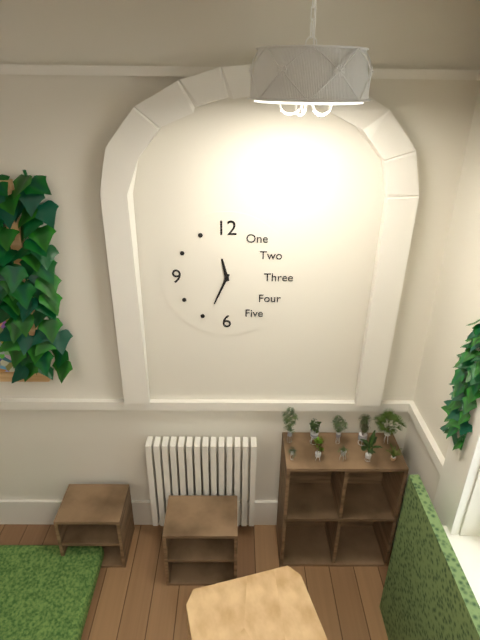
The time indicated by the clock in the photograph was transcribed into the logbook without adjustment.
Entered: 11:34
